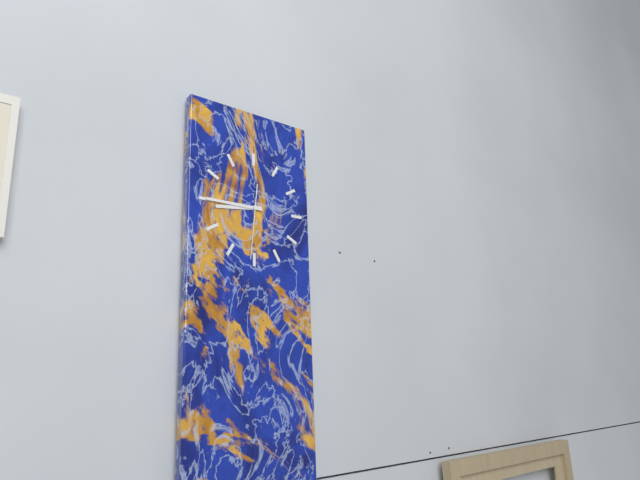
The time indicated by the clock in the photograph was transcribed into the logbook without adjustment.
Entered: 8:45:31
